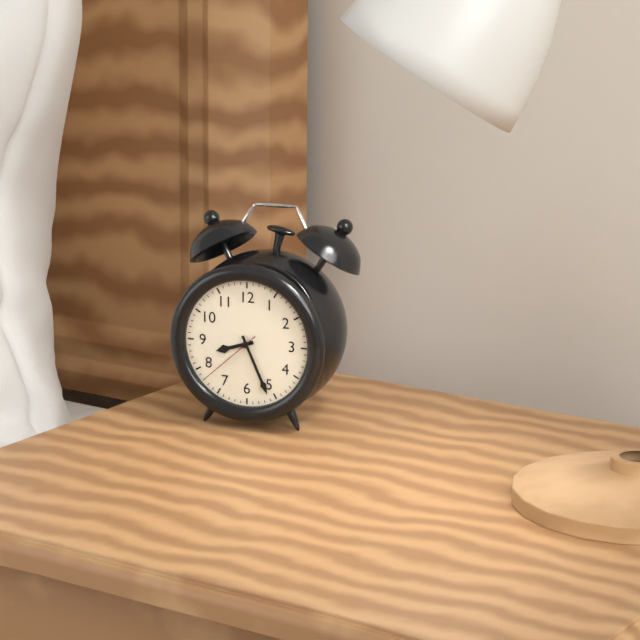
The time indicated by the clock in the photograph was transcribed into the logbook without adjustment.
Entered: 8:26:38
